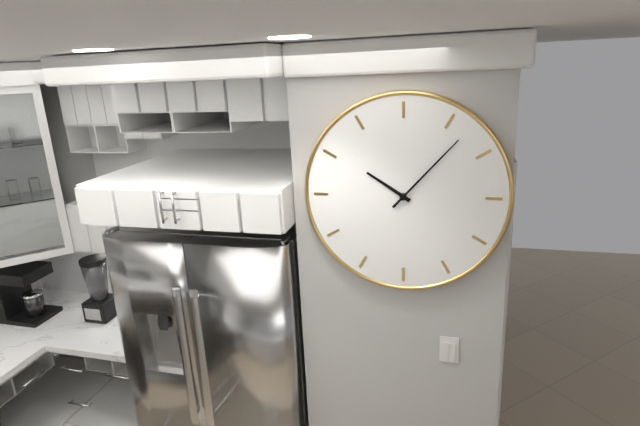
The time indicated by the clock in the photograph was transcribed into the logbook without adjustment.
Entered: 10:07
